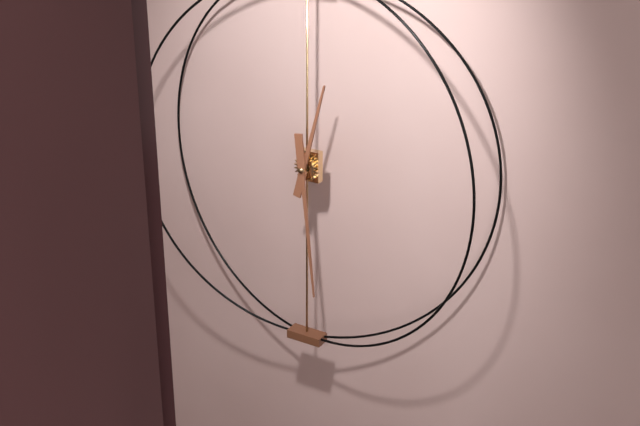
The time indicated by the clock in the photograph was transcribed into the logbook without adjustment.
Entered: 12:29
